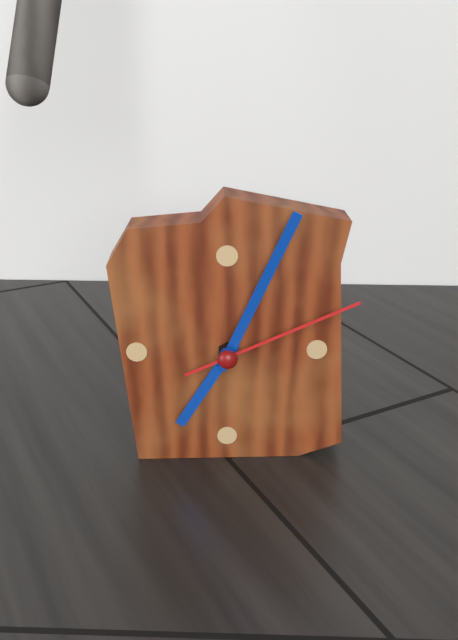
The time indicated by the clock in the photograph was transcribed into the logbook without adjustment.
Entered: 7:04:11
